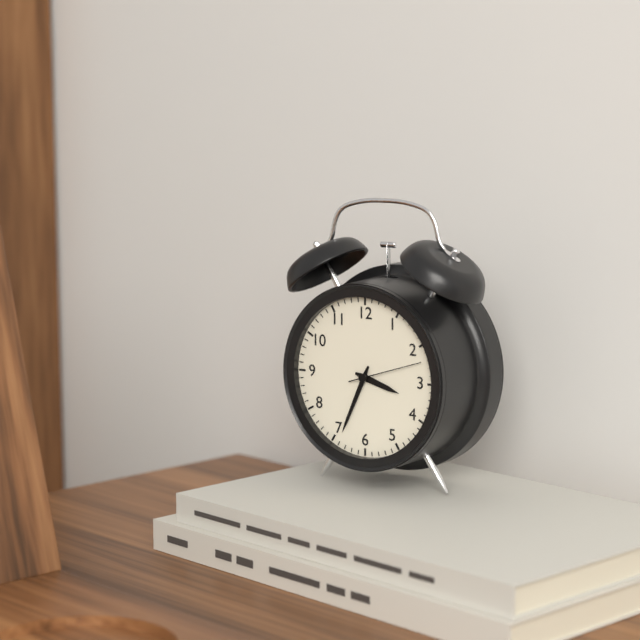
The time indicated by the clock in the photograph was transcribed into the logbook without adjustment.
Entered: 3:34:12
